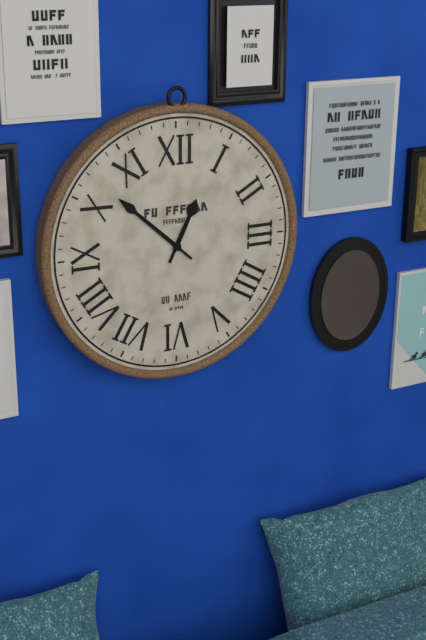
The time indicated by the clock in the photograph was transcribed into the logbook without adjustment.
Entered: 12:52
